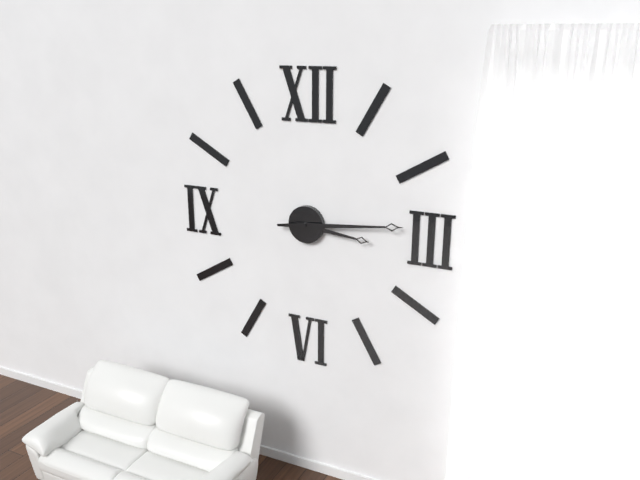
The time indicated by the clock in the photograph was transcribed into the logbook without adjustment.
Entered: 3:14
